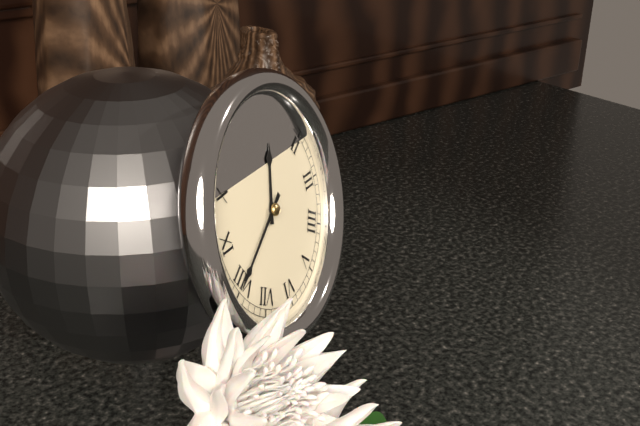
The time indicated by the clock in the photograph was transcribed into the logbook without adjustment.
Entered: 12:40
